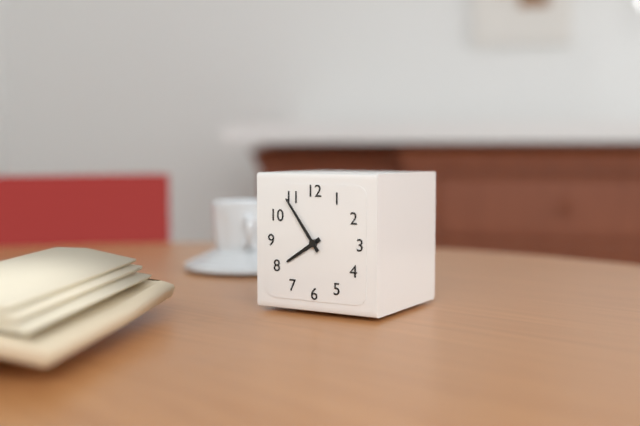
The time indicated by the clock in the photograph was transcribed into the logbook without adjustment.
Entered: 7:54
